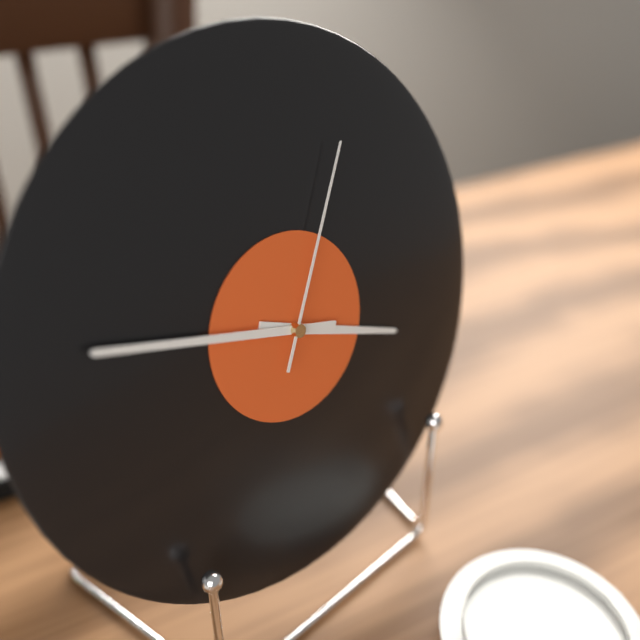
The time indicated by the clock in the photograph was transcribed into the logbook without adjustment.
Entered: 3:48:05
